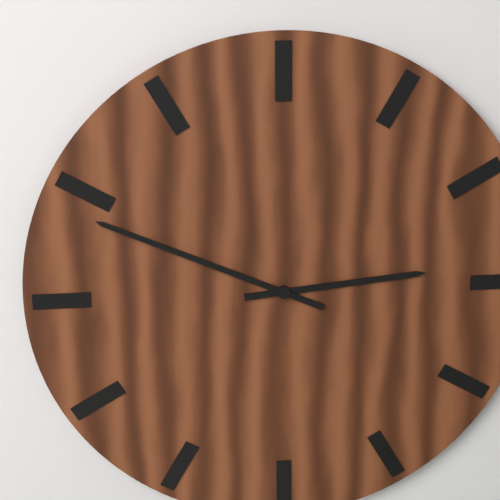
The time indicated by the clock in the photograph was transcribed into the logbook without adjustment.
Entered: 2:49
